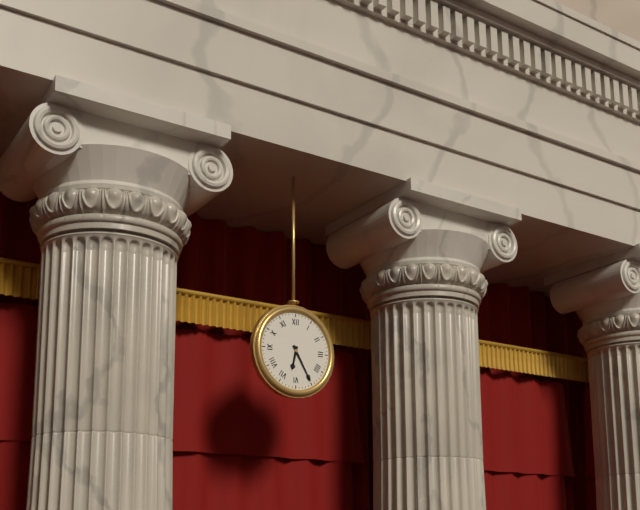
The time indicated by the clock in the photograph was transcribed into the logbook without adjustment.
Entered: 6:25
